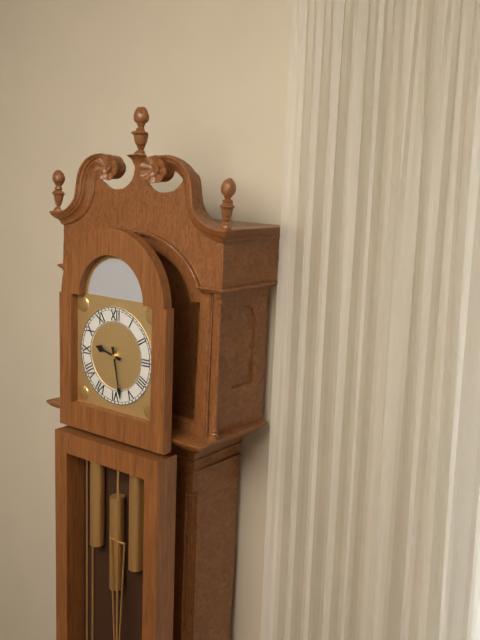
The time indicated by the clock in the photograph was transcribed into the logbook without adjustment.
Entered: 9:28
